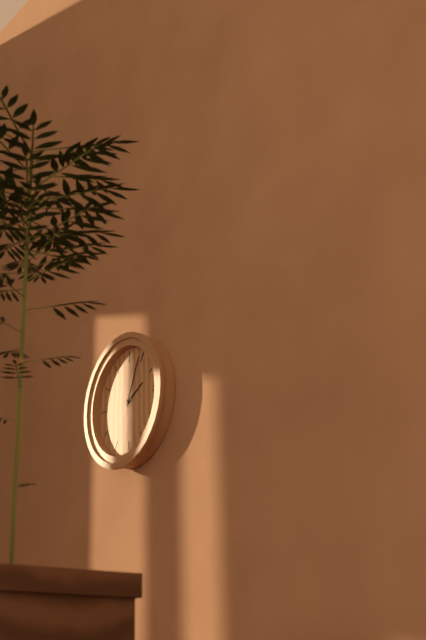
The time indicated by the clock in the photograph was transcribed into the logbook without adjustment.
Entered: 2:04
